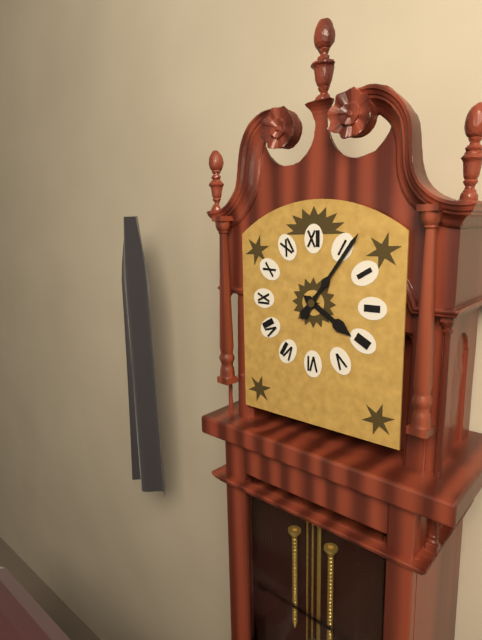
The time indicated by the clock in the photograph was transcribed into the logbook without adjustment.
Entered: 4:06
